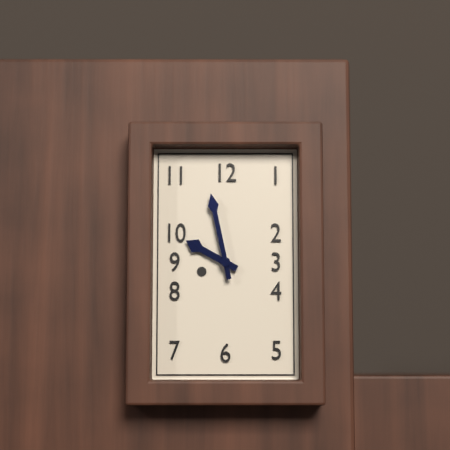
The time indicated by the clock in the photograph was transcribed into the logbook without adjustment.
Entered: 9:58
